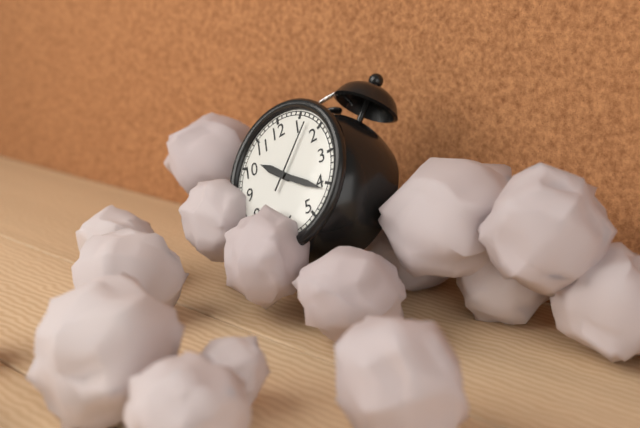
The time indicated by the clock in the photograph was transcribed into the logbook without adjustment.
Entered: 10:21:07
